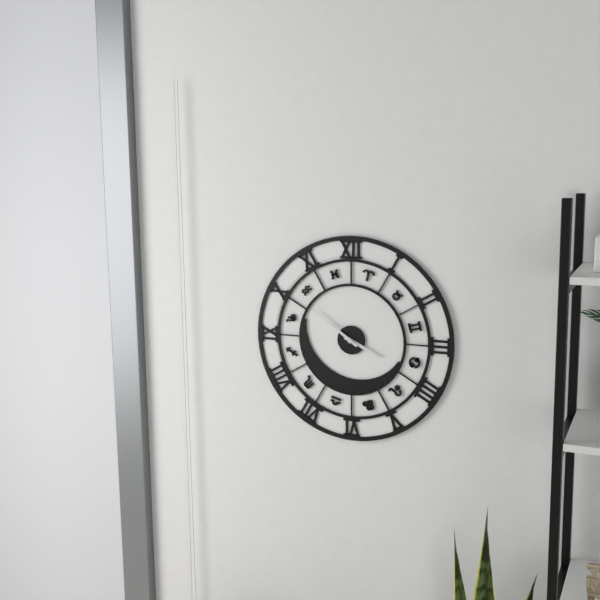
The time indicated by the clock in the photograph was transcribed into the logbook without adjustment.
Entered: 3:51
